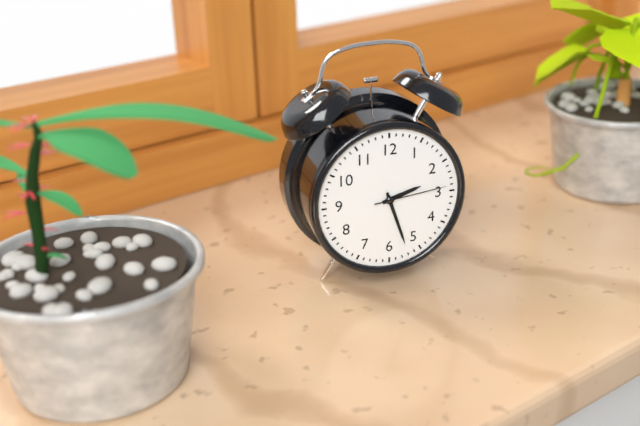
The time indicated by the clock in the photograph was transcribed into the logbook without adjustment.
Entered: 2:27:14
